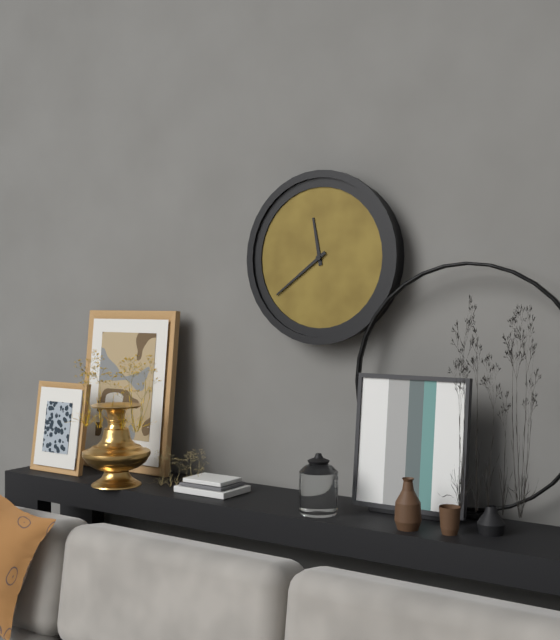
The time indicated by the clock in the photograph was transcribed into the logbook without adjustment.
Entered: 11:39
